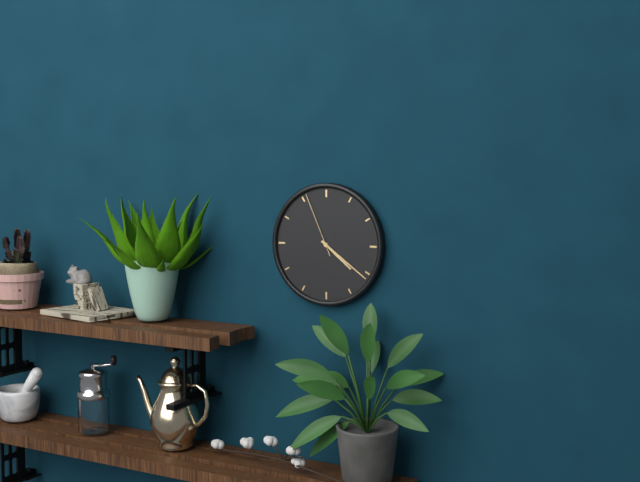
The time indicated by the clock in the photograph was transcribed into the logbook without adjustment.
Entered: 4:21:56
